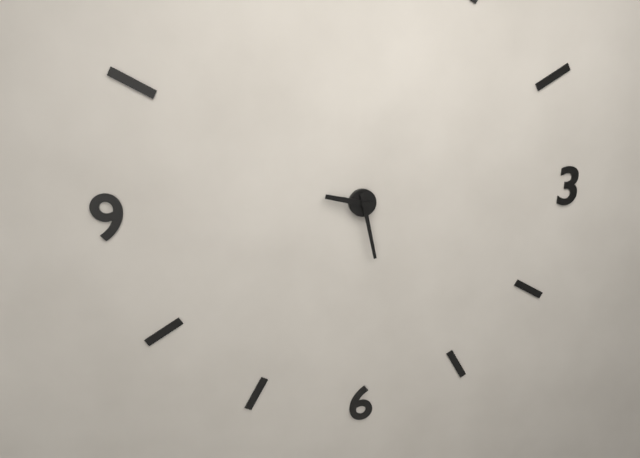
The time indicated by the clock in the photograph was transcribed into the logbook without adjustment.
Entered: 9:28
